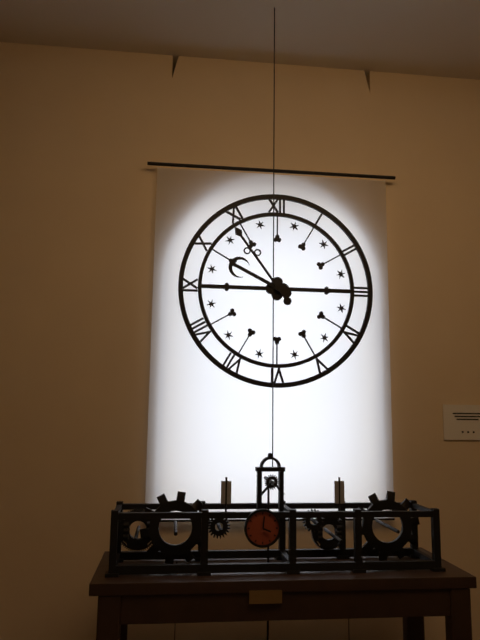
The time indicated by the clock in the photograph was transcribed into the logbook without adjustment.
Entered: 9:54
